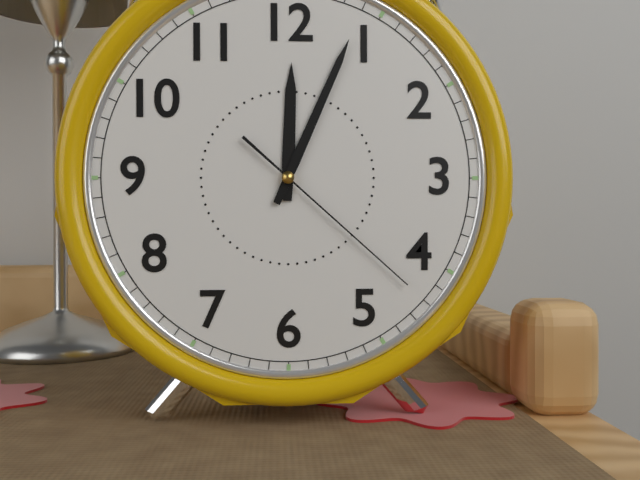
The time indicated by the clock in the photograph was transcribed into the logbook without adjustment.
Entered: 12:04:22
